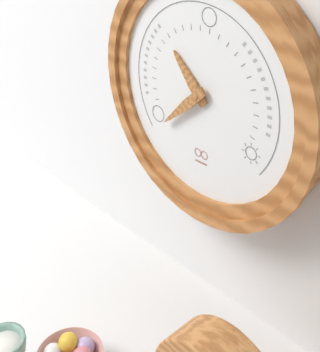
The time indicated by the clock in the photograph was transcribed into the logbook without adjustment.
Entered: 10:38
